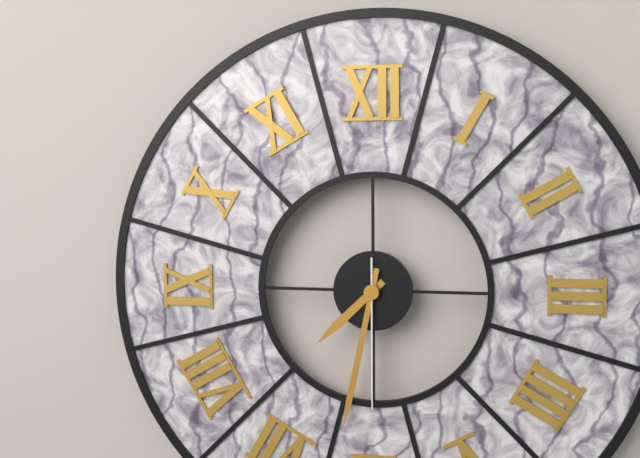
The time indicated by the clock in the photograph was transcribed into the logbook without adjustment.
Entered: 7:32:30
